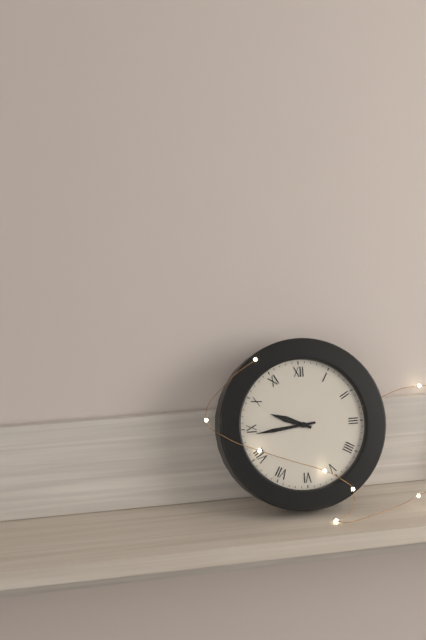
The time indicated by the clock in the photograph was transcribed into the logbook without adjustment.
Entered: 9:44
